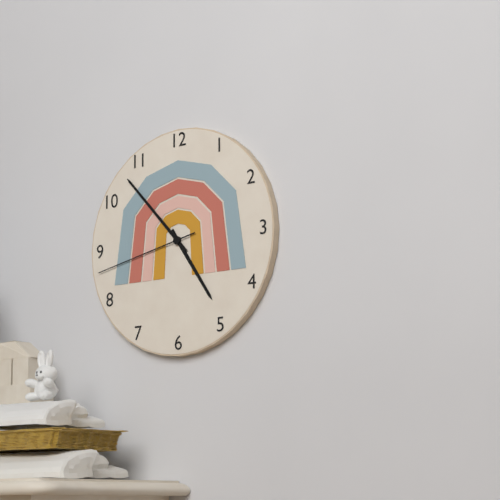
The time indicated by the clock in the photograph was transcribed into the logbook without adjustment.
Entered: 4:53:43
